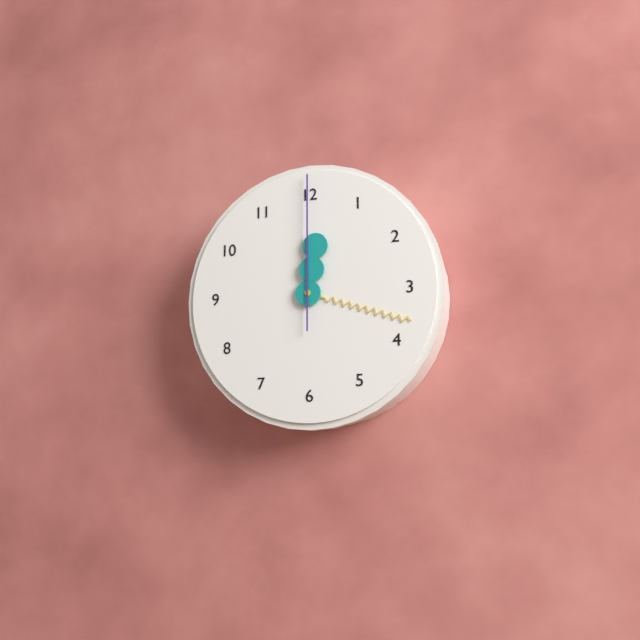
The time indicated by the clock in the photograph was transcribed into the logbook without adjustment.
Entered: 12:18:00
